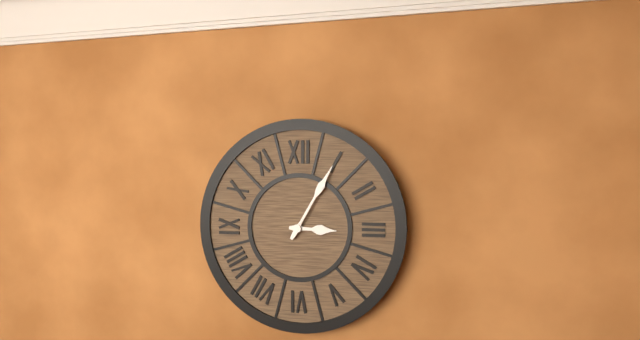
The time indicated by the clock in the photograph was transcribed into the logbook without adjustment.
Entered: 3:05
